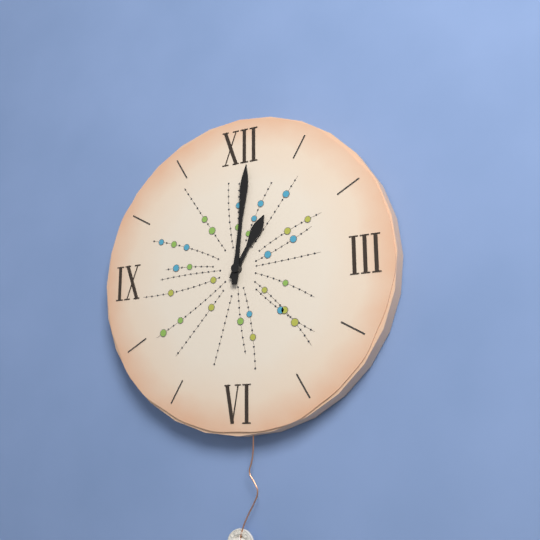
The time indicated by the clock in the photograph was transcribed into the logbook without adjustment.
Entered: 1:01
